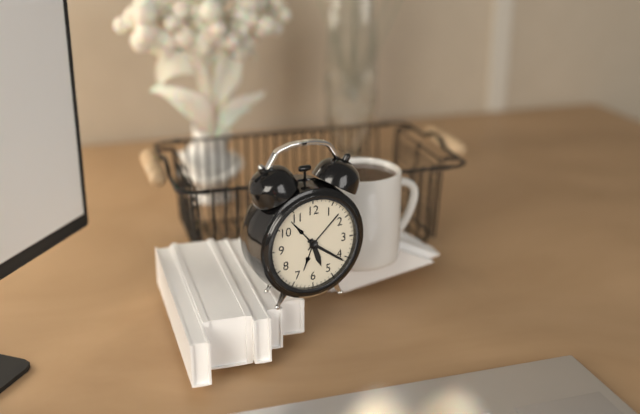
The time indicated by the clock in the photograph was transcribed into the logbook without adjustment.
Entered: 5:21
